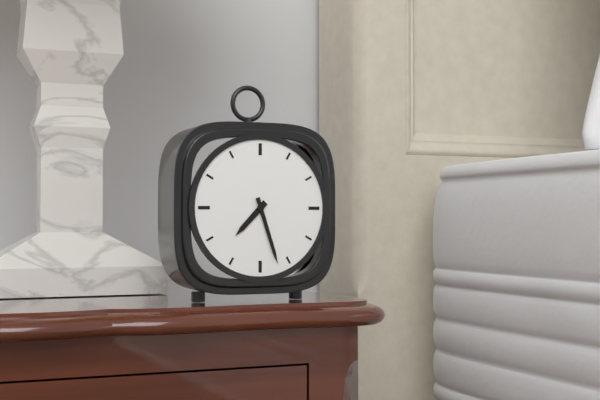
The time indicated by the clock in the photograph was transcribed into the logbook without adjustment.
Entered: 7:27
